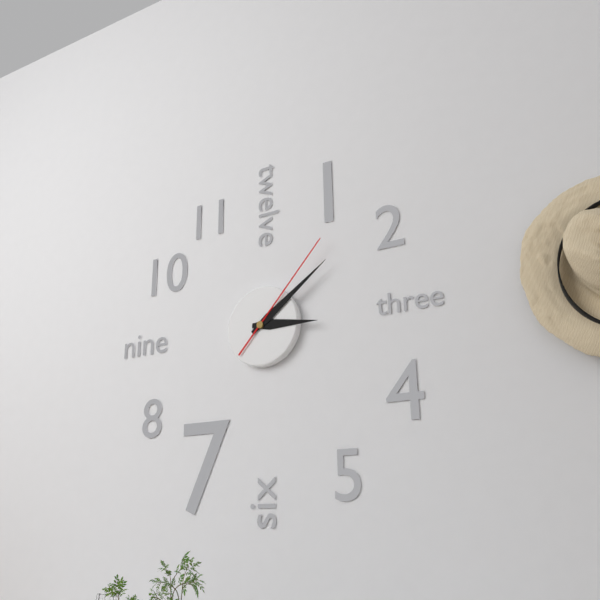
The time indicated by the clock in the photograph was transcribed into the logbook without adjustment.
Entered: 3:09:07
